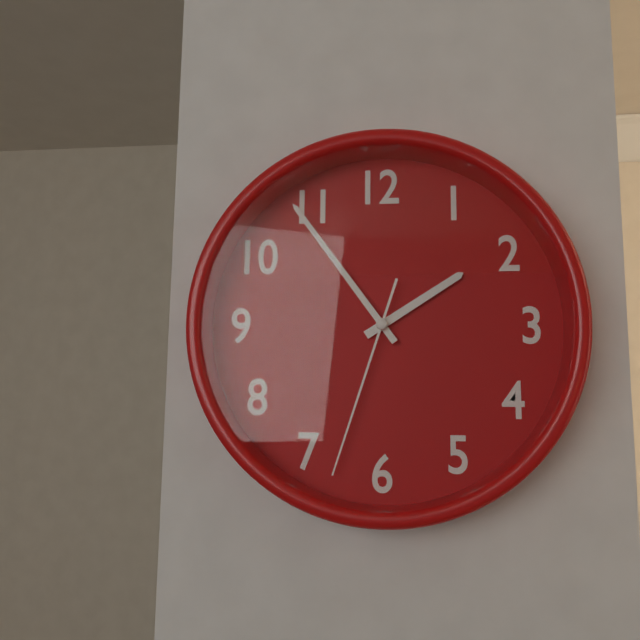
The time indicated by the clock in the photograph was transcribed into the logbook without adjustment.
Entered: 1:54:33
